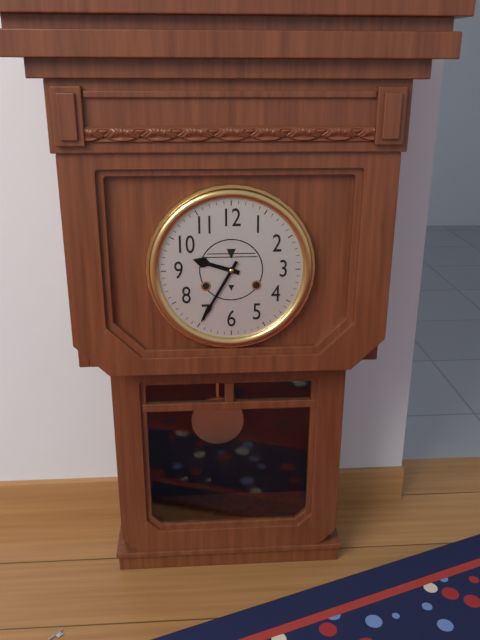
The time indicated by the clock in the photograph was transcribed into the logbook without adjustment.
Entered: 9:35
